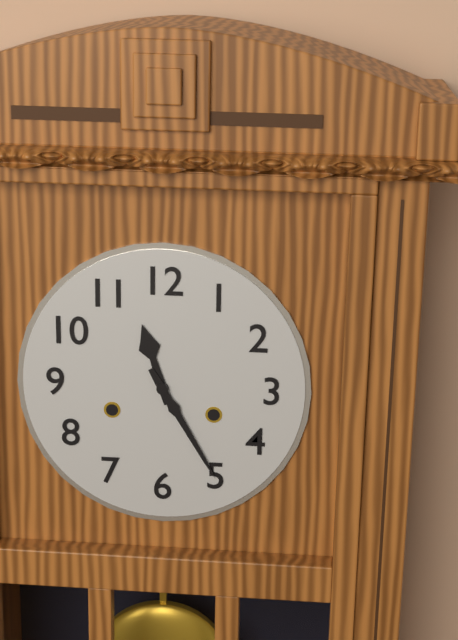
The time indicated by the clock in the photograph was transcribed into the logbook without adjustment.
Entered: 11:25
